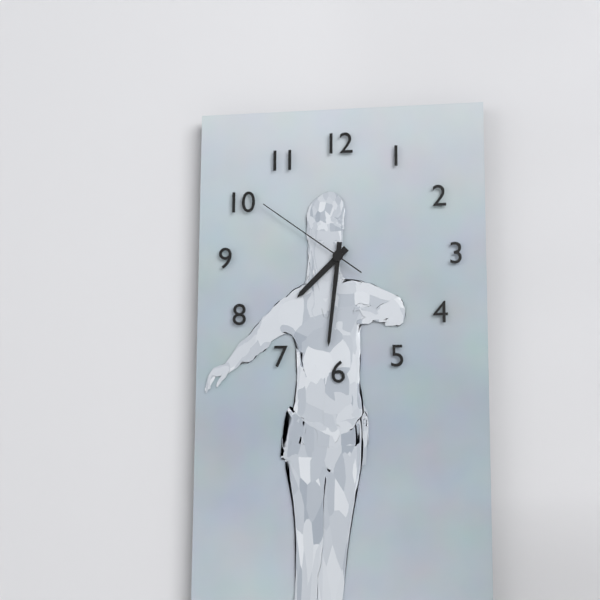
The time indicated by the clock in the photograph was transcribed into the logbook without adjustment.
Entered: 7:31:51
